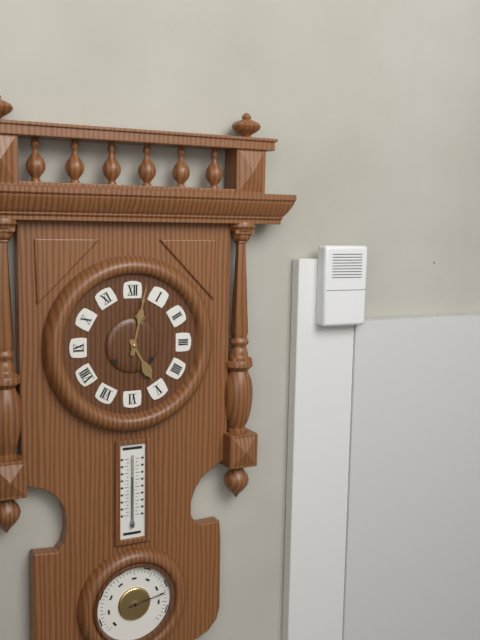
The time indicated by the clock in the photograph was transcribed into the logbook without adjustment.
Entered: 5:02
